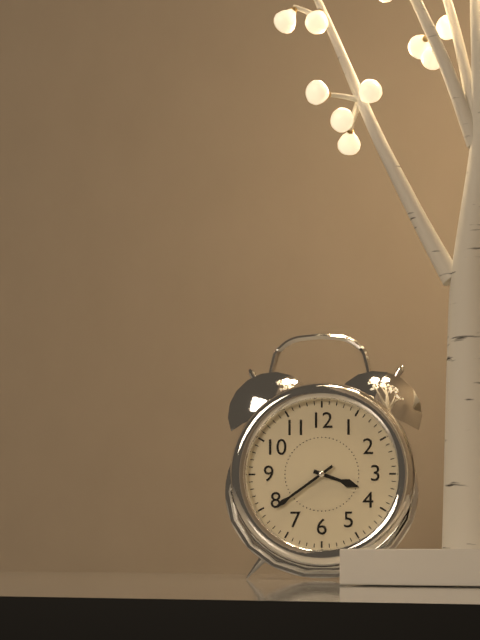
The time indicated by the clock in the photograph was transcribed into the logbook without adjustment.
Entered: 3:39
